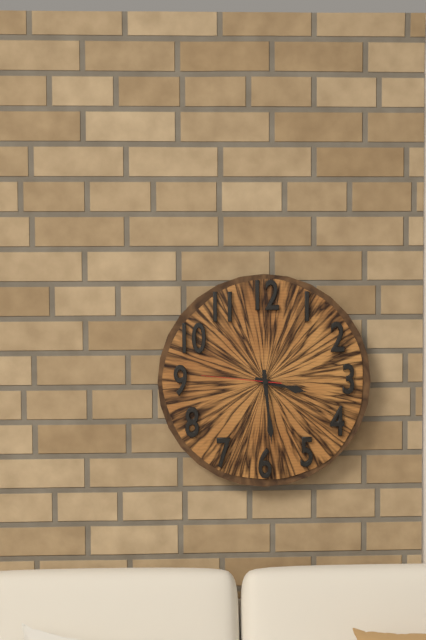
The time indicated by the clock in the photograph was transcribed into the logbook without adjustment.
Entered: 3:29:46
